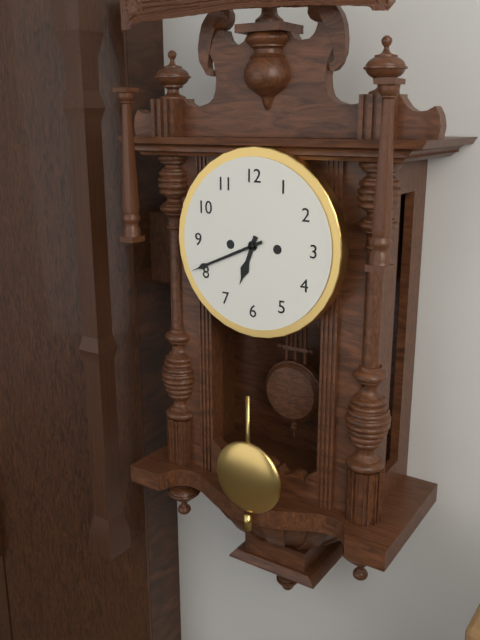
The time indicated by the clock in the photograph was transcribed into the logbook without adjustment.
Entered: 6:41
